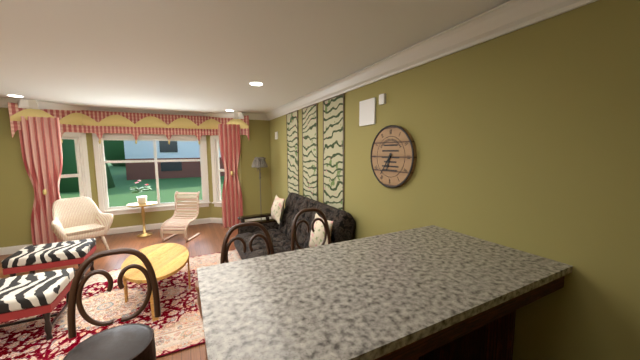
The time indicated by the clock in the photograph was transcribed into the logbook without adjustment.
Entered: 6:36
